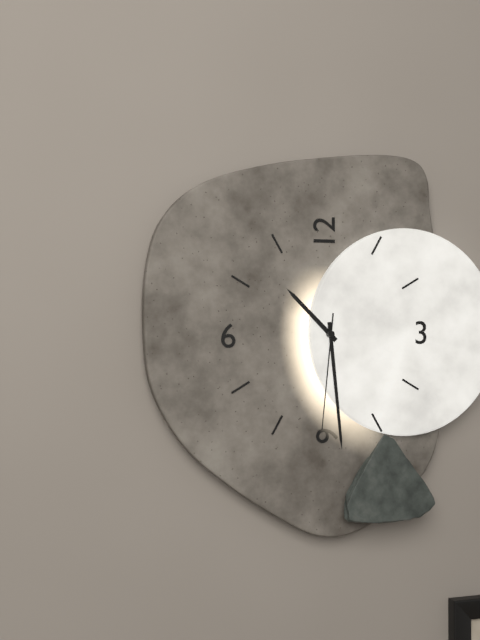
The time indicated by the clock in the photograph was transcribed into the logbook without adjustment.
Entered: 10:29:31
